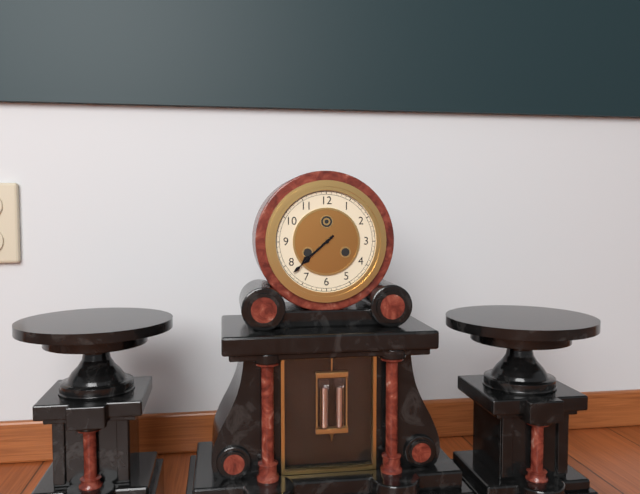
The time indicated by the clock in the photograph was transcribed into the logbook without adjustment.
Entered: 7:38
